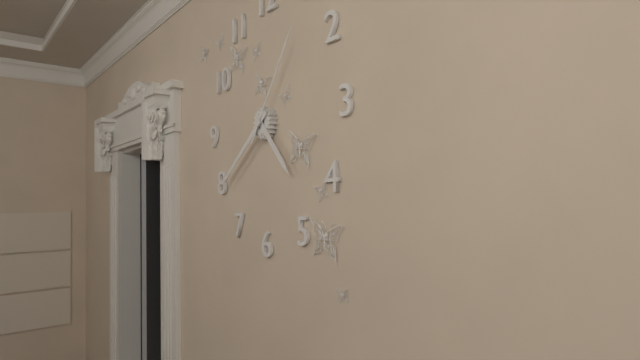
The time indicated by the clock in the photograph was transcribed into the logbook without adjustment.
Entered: 4:39:06
